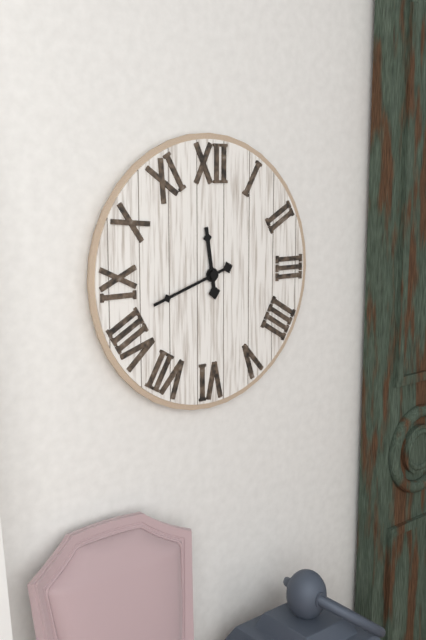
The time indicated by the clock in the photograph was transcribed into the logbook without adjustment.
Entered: 11:42
